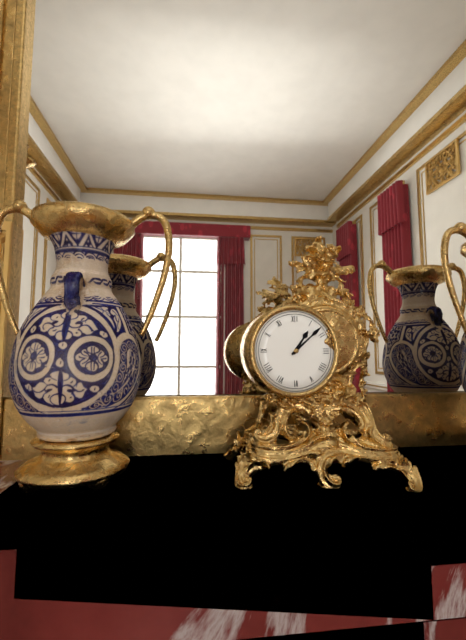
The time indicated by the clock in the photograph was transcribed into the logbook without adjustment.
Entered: 1:08
